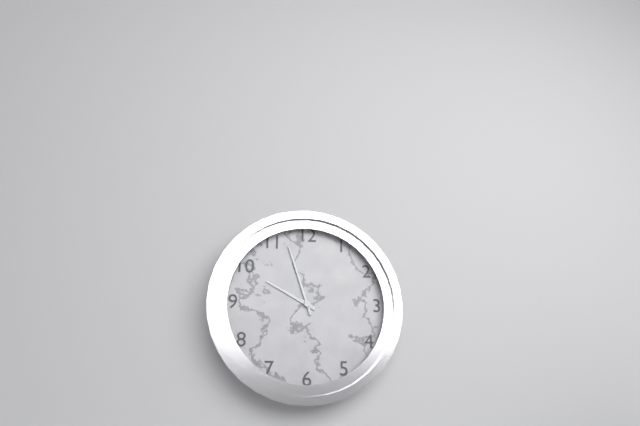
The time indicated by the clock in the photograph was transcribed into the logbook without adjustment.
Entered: 9:57
